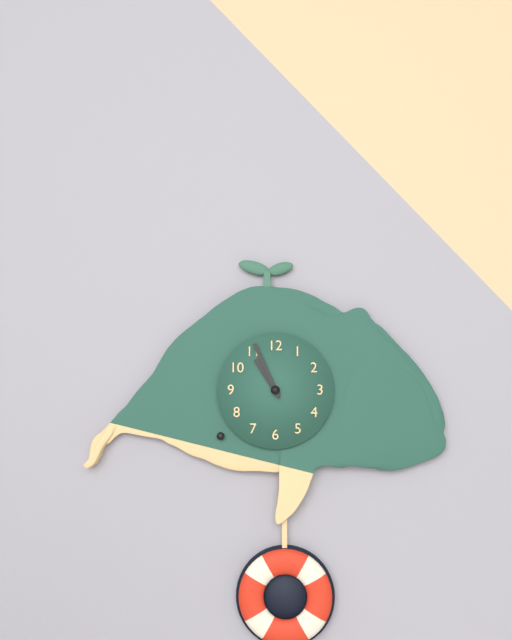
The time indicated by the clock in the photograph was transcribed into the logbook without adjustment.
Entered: 10:56
